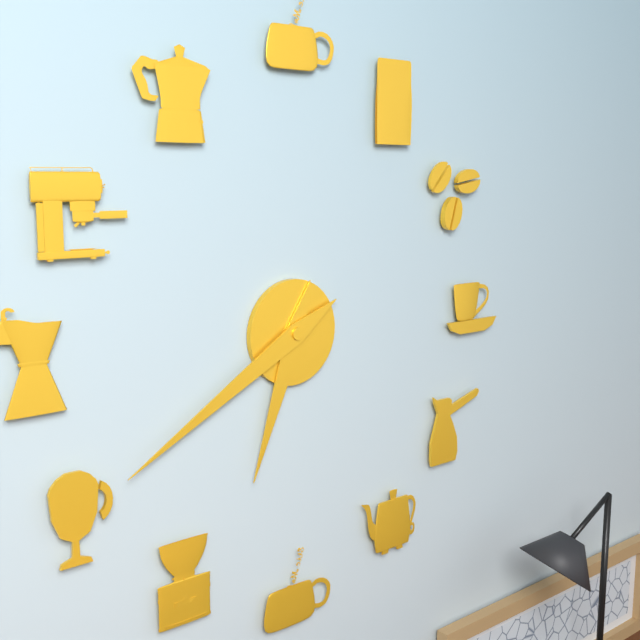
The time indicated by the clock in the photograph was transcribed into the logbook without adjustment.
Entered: 6:40
